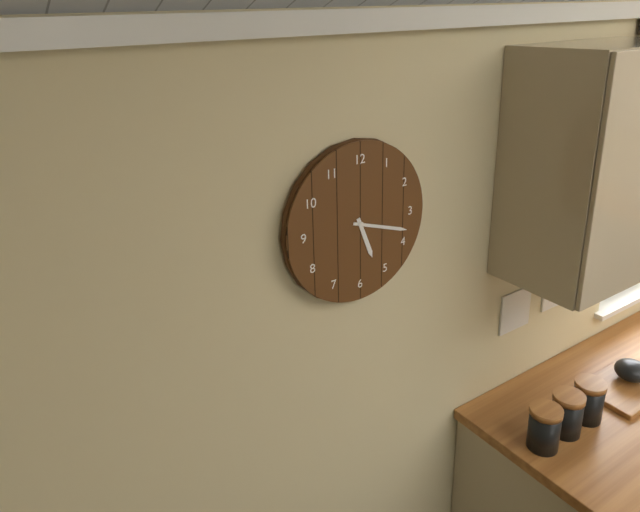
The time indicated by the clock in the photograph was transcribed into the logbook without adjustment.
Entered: 5:18
